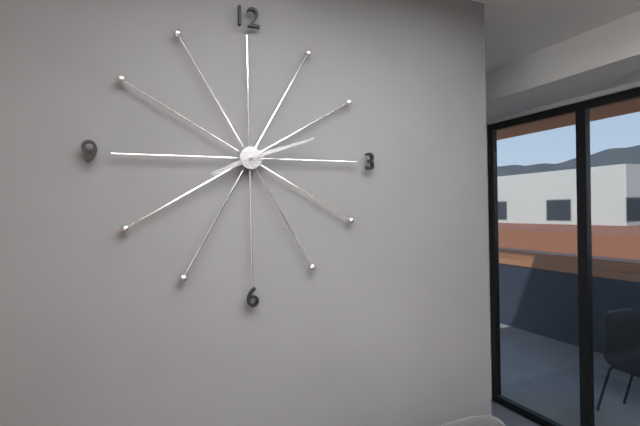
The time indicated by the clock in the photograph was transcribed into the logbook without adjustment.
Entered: 8:12
